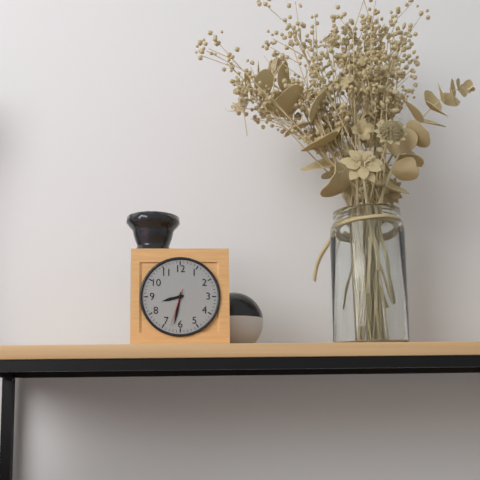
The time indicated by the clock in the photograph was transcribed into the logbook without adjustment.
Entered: 8:32
